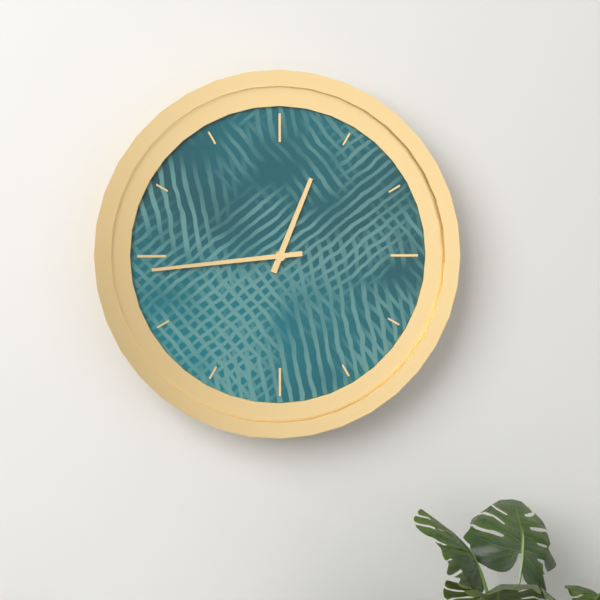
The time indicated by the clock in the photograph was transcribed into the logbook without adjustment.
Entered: 12:44
